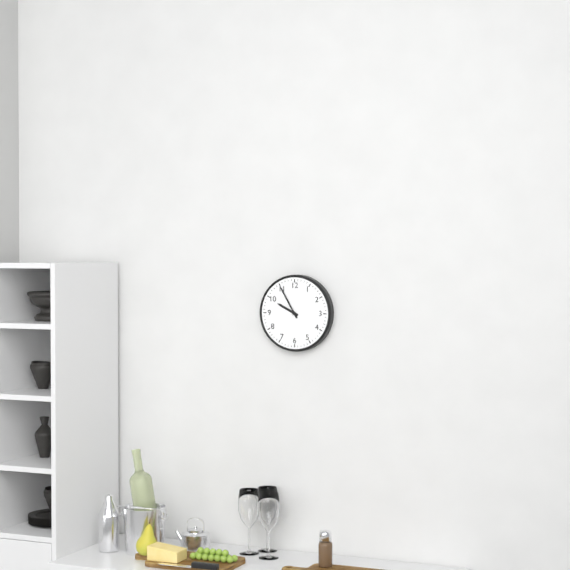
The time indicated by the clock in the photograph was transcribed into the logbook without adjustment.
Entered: 9:55
